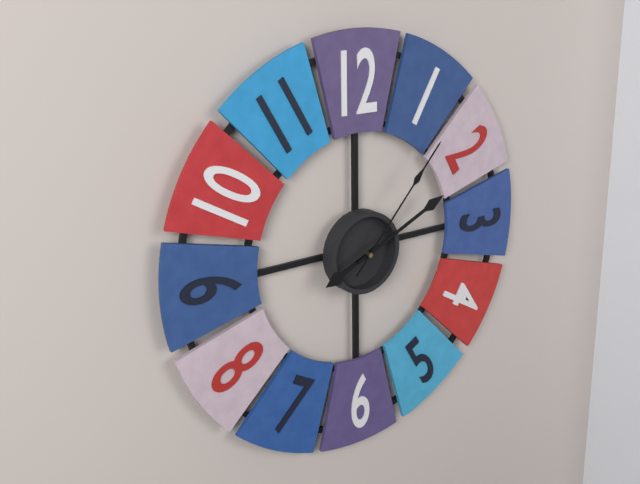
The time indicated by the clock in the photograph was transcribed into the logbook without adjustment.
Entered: 8:11:07
